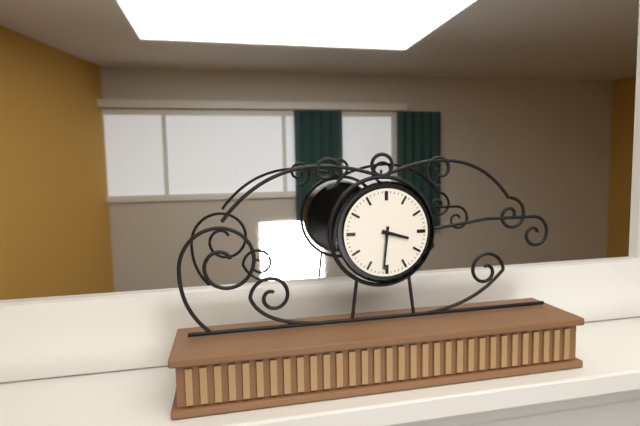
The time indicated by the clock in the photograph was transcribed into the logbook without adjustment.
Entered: 3:31
